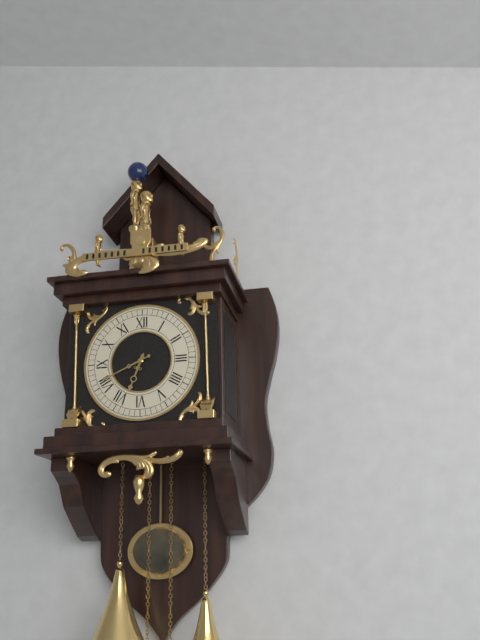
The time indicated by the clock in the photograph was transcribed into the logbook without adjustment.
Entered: 6:41
